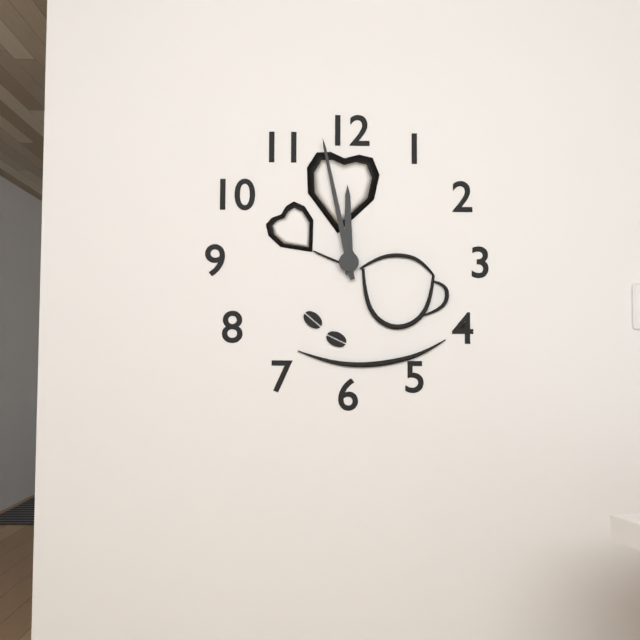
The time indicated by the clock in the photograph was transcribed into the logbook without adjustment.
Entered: 11:58
